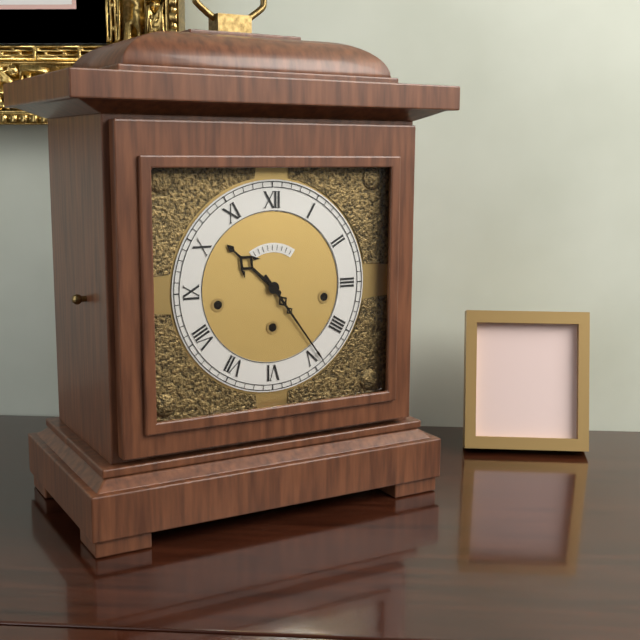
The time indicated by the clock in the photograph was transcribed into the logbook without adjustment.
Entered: 10:24
